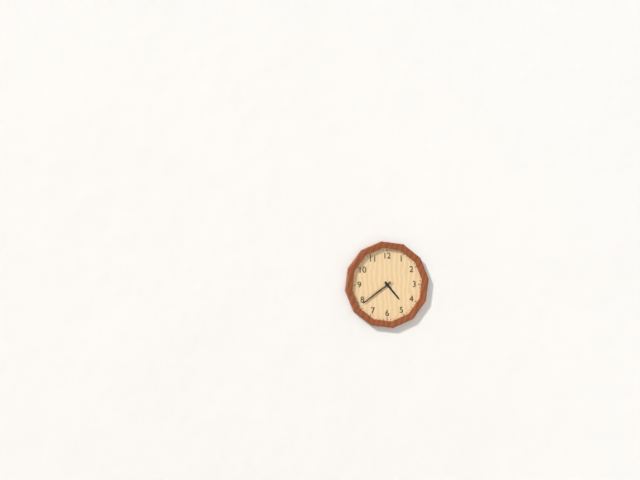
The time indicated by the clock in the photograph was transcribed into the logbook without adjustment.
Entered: 4:39
